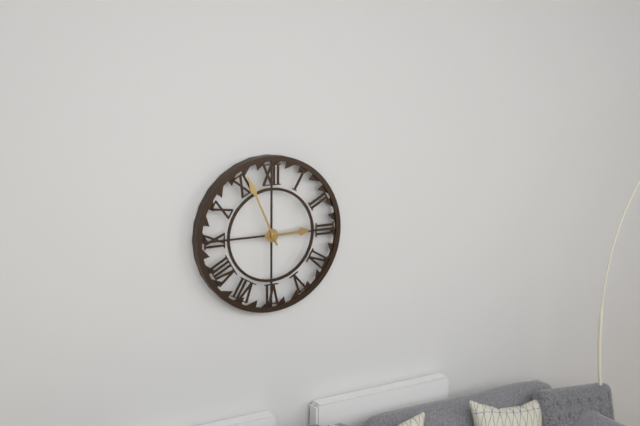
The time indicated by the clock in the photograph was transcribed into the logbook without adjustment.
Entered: 2:56
